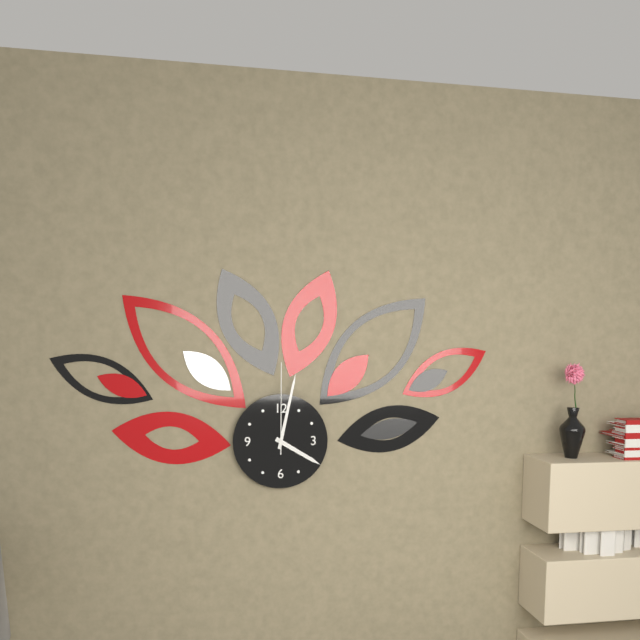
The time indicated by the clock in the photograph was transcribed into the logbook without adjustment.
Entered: 4:02:00
